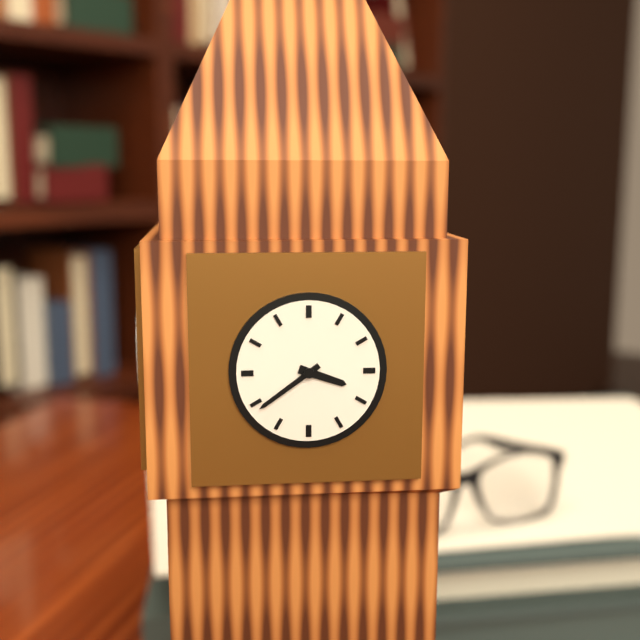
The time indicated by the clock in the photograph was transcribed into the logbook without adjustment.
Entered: 3:39
